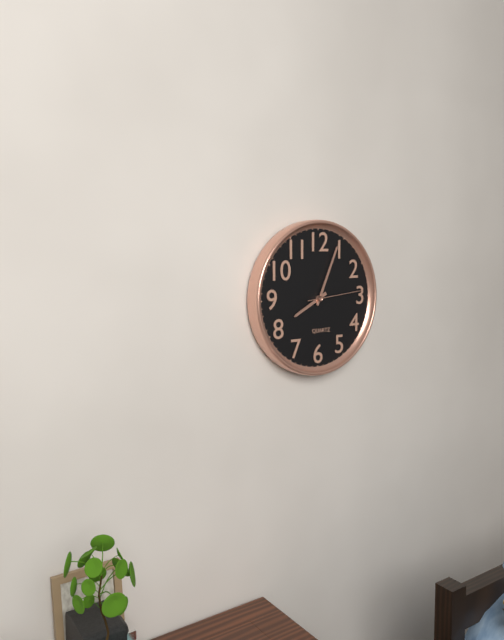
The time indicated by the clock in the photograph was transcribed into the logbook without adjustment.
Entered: 8:04:14
